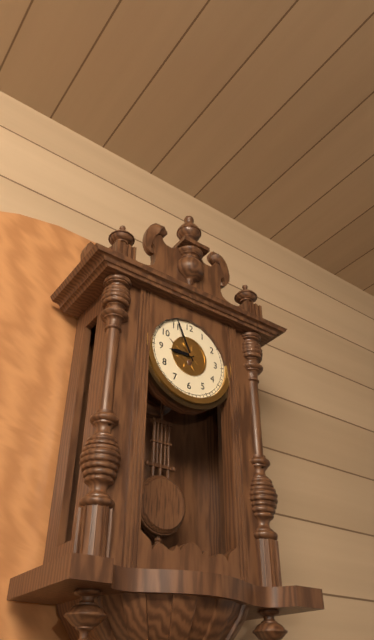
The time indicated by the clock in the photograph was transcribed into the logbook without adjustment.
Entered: 8:56
